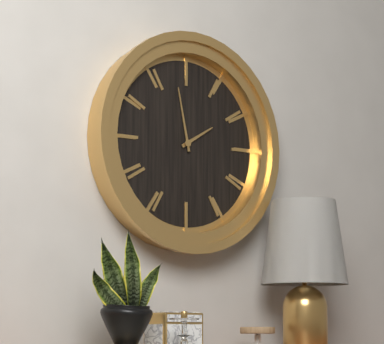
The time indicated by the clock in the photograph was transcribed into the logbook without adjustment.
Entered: 1:58
